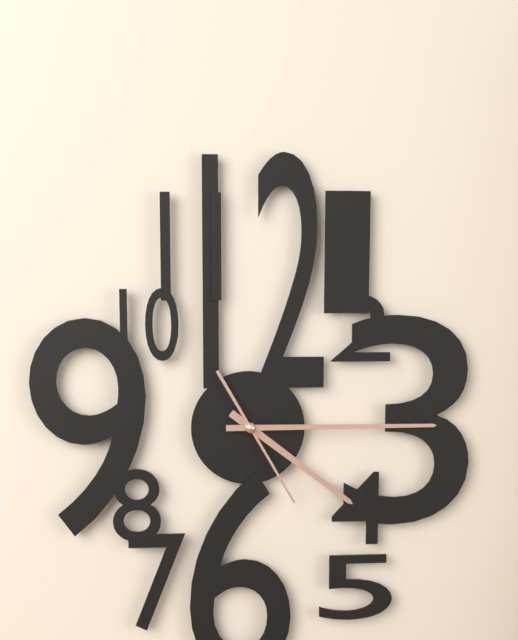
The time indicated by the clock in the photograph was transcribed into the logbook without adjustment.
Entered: 4:15:25
